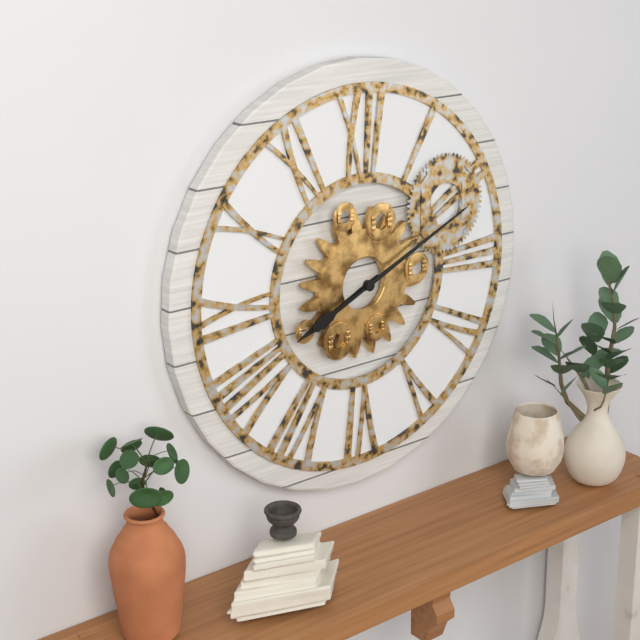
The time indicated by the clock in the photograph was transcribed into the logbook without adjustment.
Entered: 8:11
